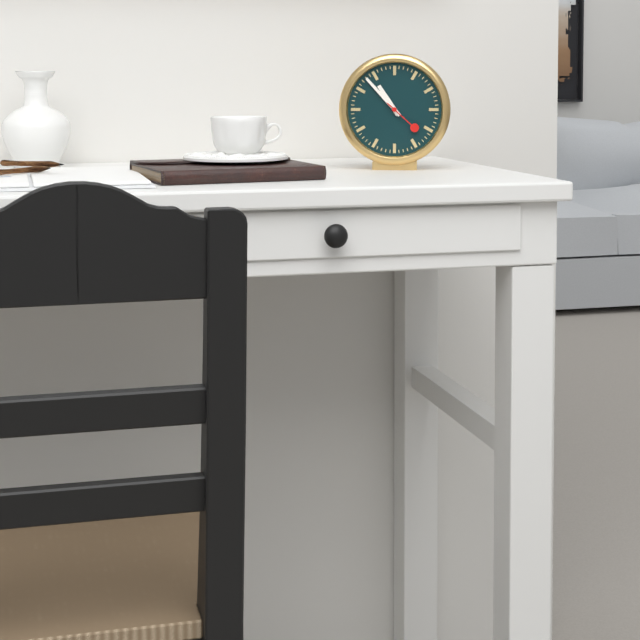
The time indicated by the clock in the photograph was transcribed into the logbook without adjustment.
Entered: 10:53
